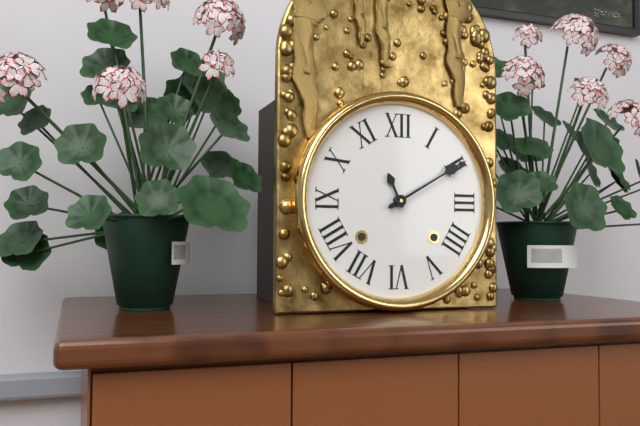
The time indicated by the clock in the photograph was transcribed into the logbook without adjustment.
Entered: 11:10
